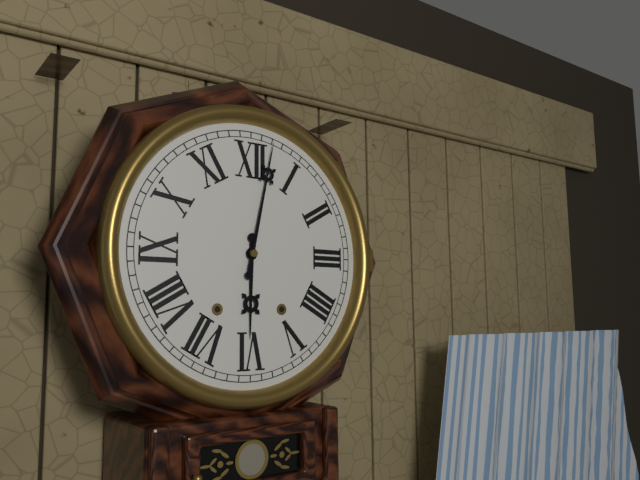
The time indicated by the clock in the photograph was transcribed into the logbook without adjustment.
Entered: 6:02
